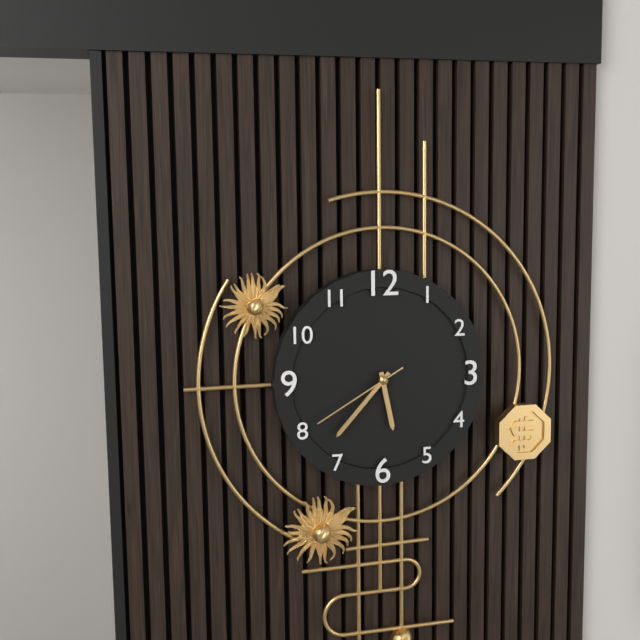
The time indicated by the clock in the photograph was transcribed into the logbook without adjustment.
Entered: 5:37:40
